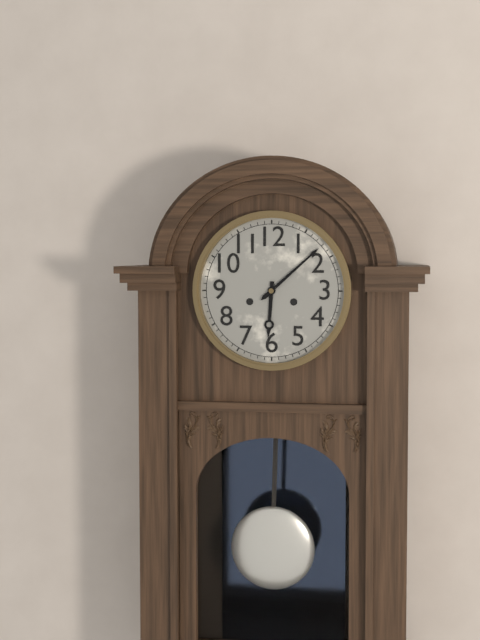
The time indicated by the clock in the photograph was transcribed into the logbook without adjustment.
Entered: 6:08
